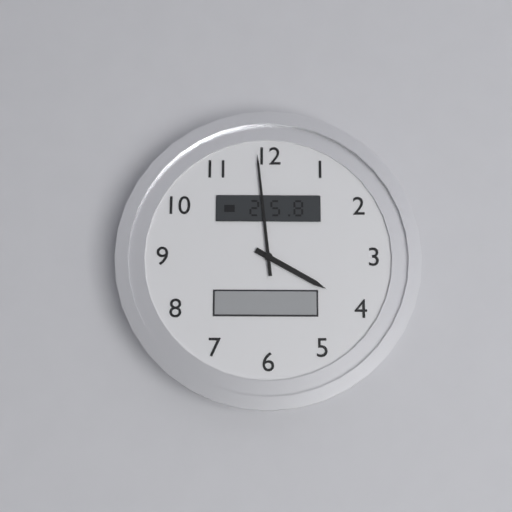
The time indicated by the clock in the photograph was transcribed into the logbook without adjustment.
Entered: 3:59
